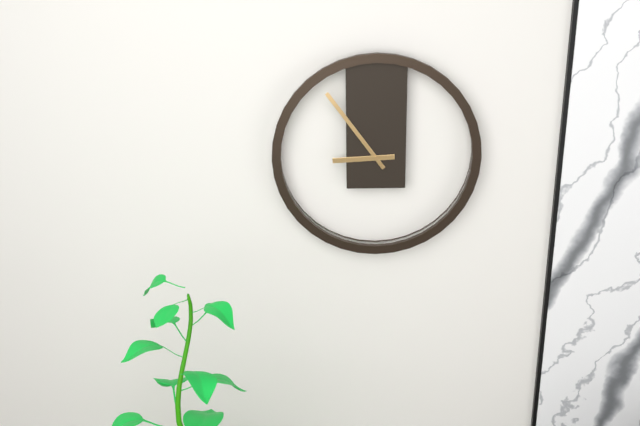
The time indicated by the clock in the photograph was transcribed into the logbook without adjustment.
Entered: 8:54
